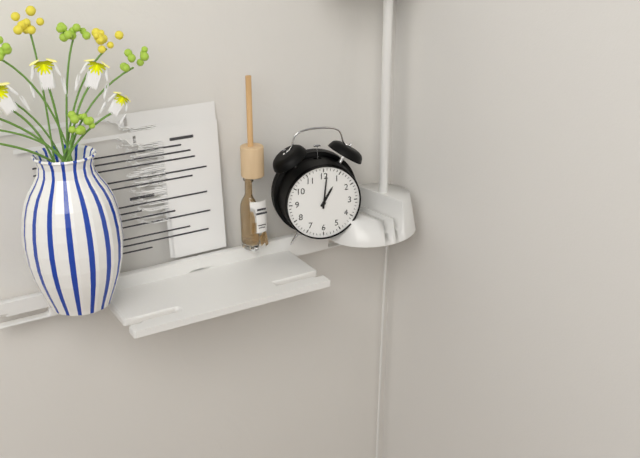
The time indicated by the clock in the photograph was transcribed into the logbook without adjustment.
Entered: 1:01
